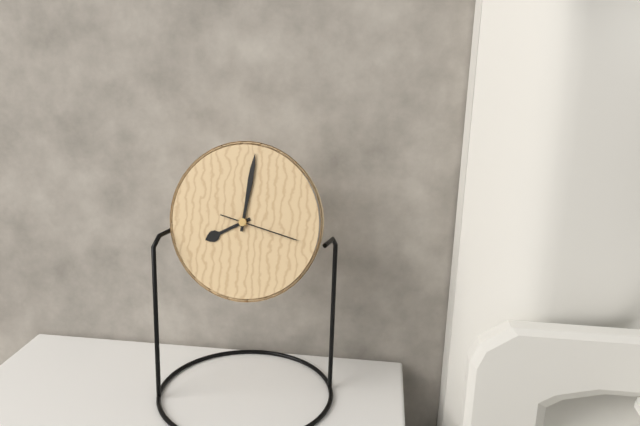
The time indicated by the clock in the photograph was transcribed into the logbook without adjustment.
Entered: 8:01:17
